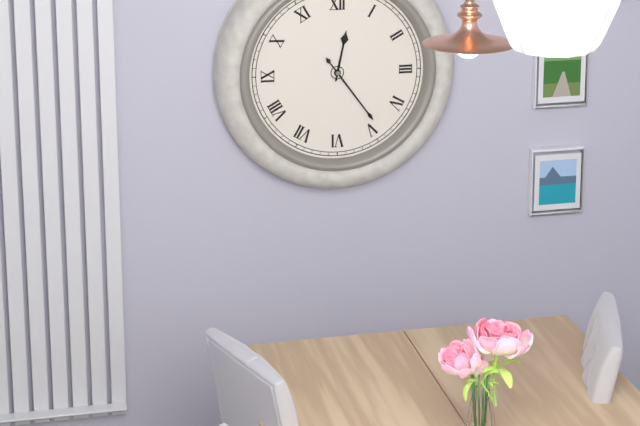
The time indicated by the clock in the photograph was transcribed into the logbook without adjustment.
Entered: 12:24
